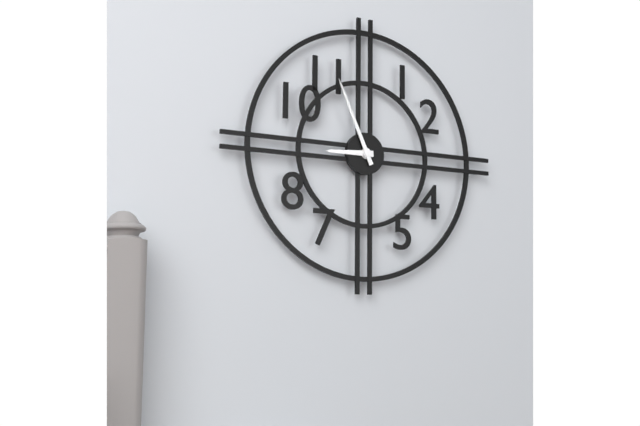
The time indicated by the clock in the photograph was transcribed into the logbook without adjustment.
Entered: 8:56
